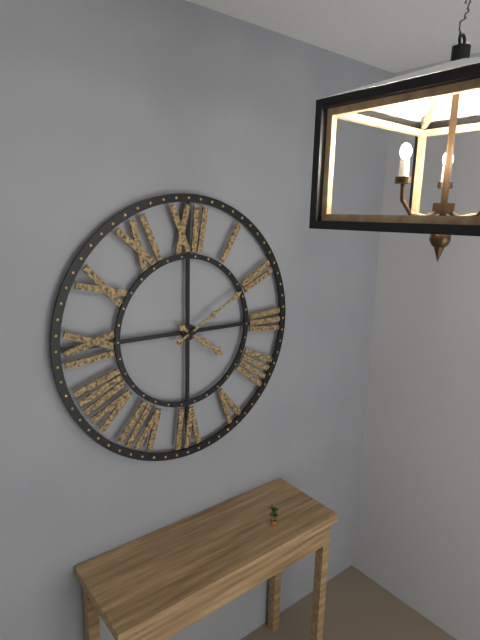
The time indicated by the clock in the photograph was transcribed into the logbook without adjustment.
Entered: 4:10
